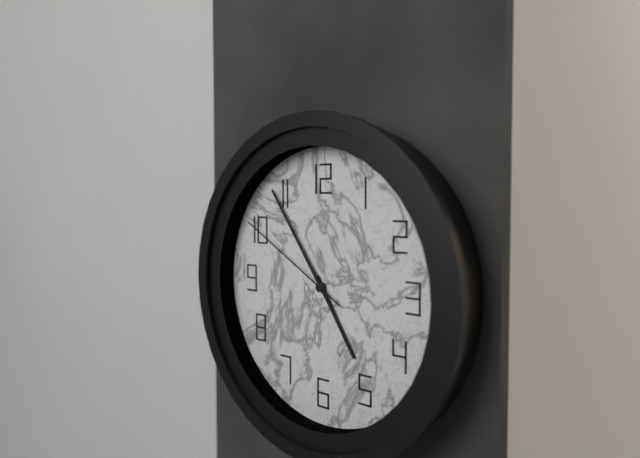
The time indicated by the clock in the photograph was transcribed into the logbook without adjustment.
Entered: 4:54:50
